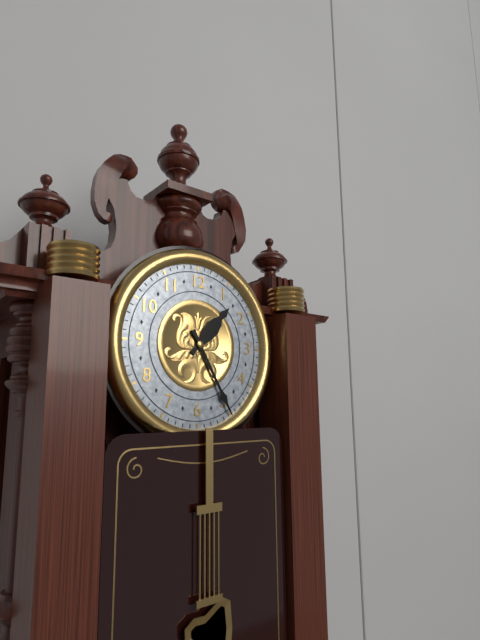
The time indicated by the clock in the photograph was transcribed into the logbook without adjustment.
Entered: 1:25
